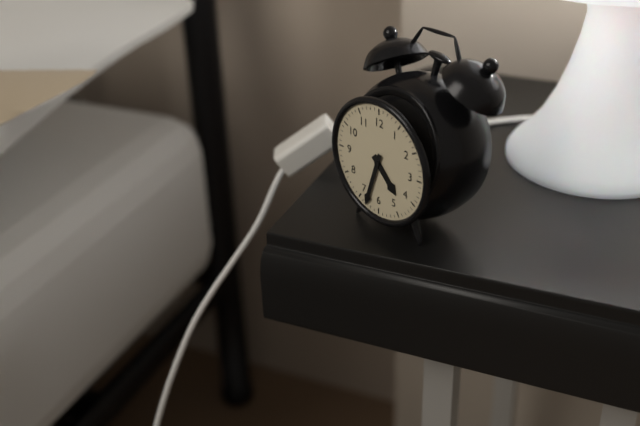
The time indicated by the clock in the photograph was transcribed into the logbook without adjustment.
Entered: 4:33
